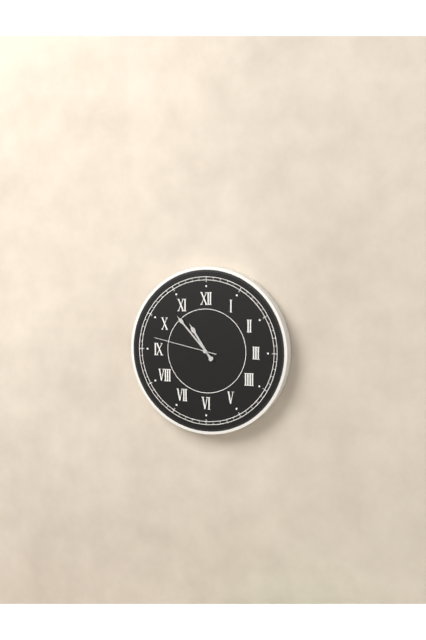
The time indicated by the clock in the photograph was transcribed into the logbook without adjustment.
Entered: 10:53:47
